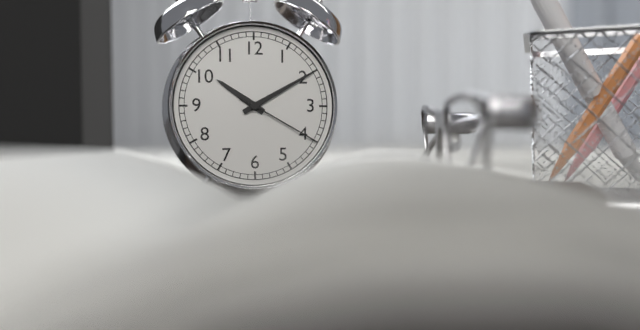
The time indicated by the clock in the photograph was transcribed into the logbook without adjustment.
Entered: 10:10:20
